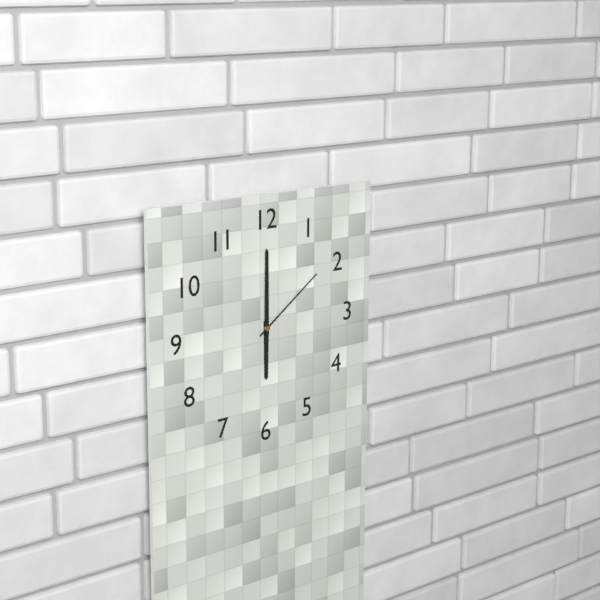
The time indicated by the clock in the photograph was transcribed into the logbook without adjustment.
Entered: 6:00:09
